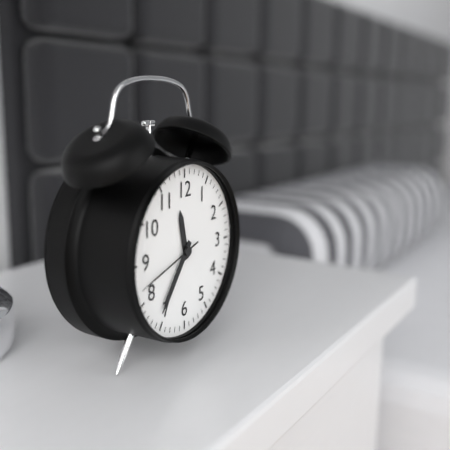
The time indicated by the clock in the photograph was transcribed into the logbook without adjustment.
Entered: 11:36:42
